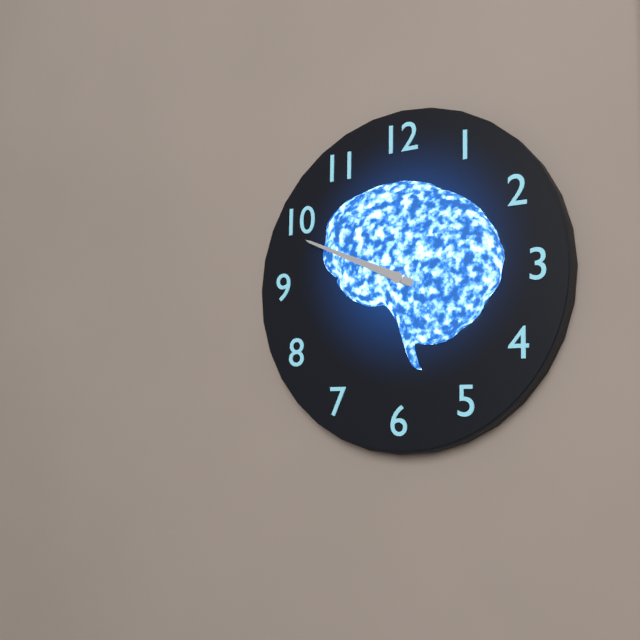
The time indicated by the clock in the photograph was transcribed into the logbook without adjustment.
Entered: 9:49
